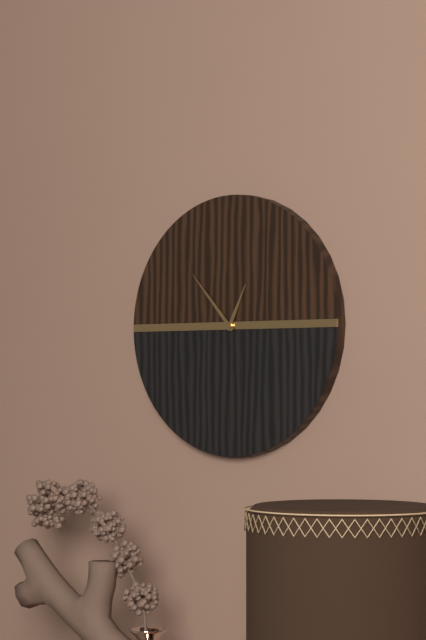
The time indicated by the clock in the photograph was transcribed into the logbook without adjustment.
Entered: 12:53
